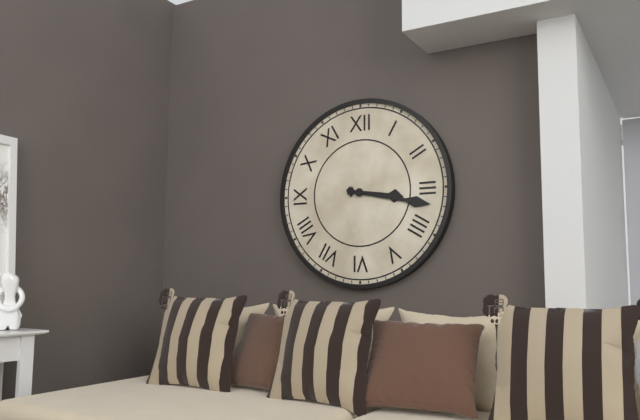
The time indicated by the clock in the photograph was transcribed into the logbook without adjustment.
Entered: 3:17
